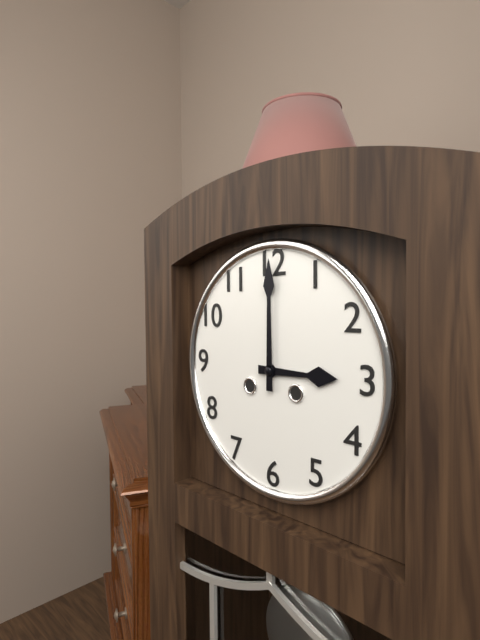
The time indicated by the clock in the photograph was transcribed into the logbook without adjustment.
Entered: 3:00
